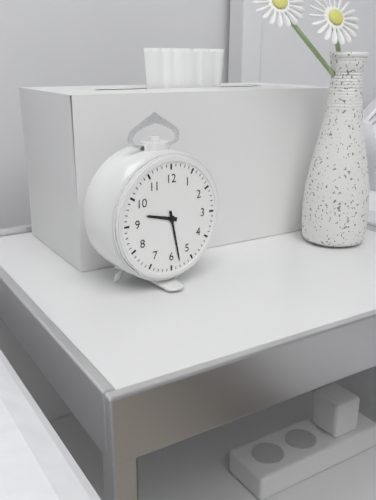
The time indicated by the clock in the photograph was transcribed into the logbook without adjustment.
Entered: 9:28
